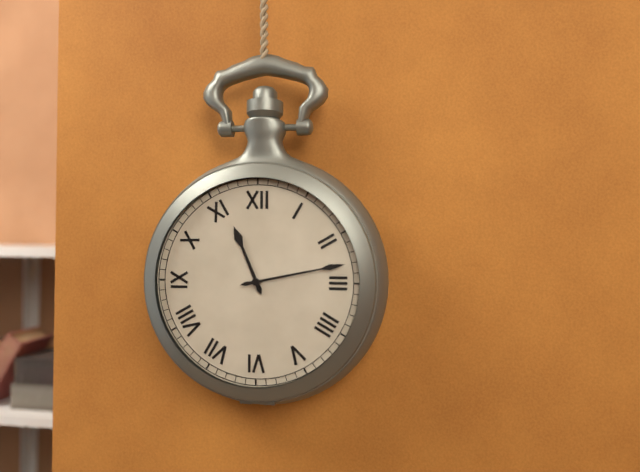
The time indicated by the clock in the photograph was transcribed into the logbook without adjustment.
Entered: 11:13
